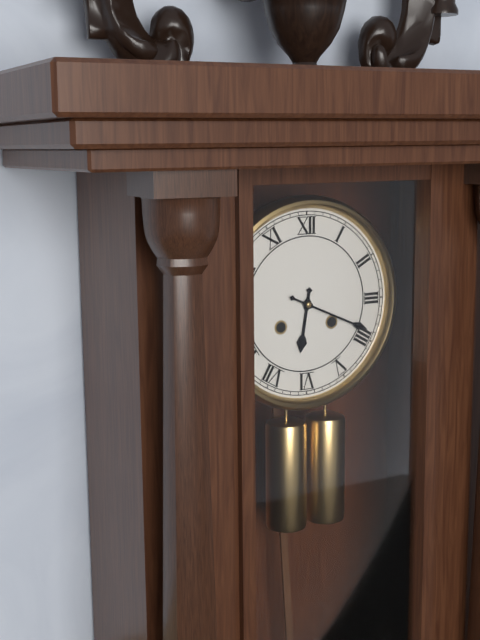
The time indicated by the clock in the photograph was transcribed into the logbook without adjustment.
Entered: 6:19
